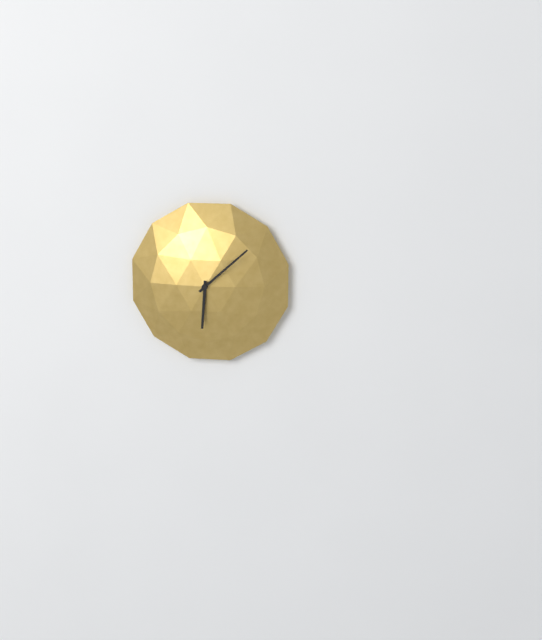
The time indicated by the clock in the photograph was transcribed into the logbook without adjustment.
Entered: 6:08
